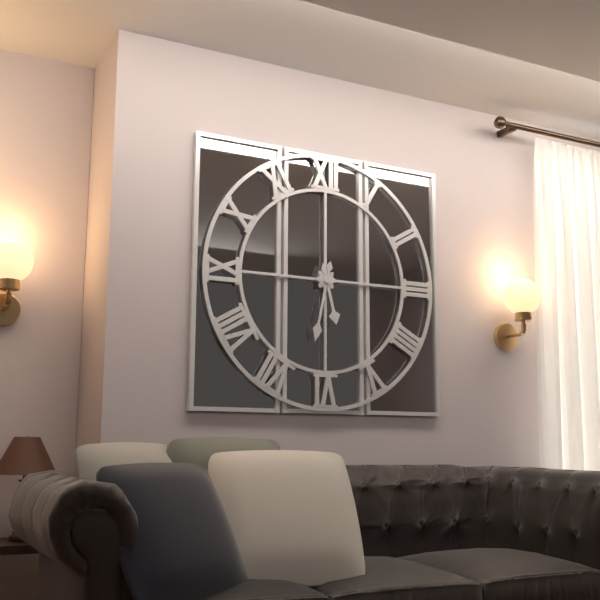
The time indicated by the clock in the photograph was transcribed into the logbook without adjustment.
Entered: 5:32
